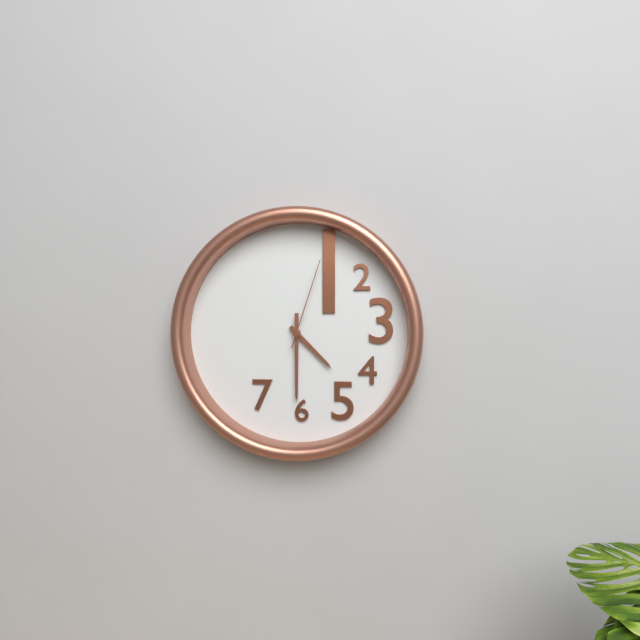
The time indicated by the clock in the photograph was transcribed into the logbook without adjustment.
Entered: 4:30:03
